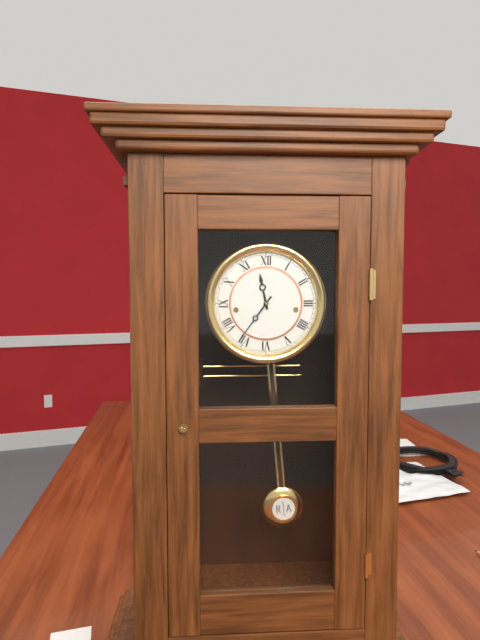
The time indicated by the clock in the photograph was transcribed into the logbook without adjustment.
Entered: 11:36
